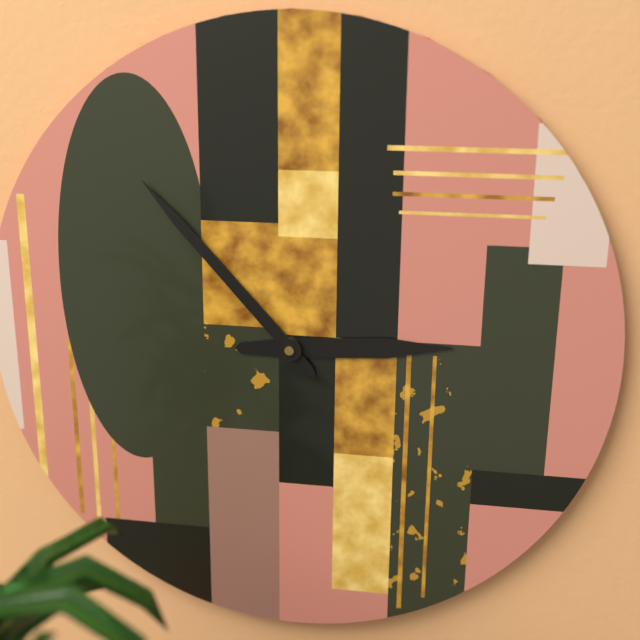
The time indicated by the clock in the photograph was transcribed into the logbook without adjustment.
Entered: 2:53
